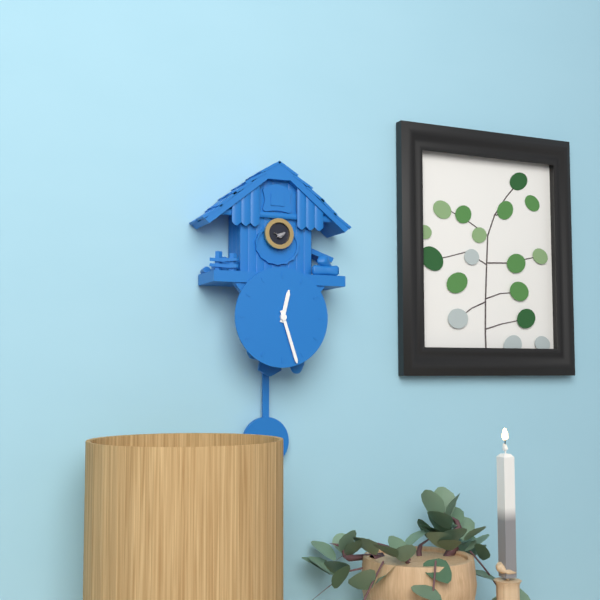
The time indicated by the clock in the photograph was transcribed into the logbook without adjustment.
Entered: 12:27
